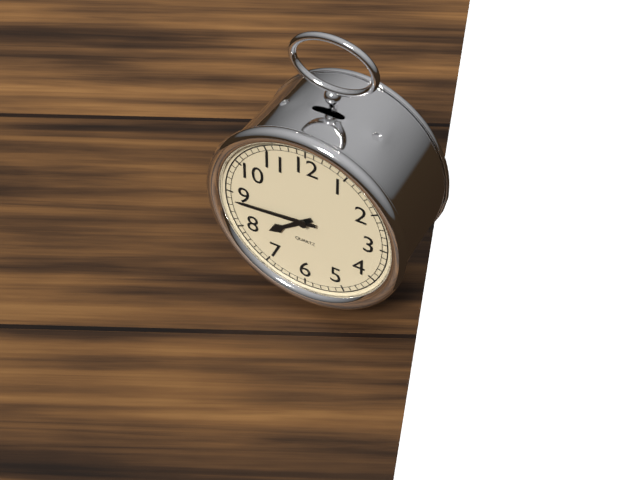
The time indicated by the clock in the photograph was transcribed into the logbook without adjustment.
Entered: 7:44
